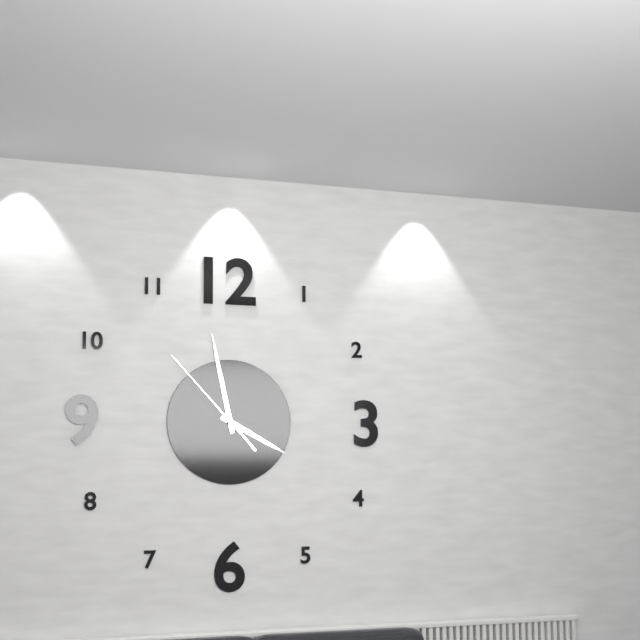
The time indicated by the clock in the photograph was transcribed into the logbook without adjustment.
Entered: 3:58:53
